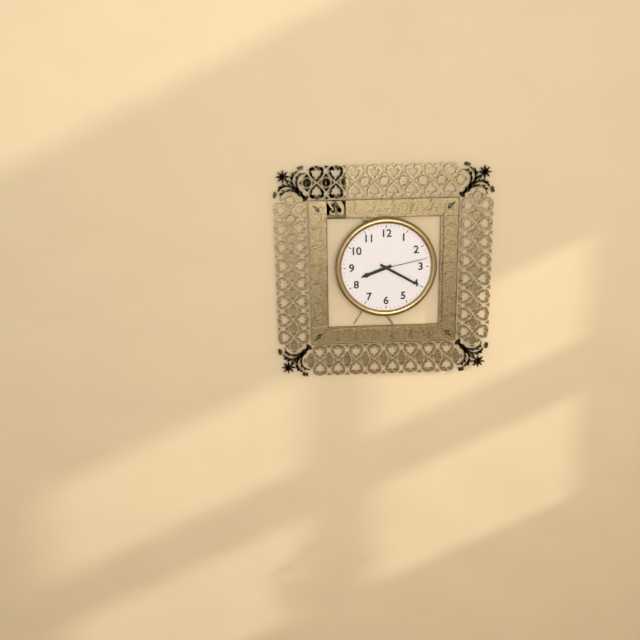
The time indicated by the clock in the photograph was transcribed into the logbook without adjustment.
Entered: 8:20:13
